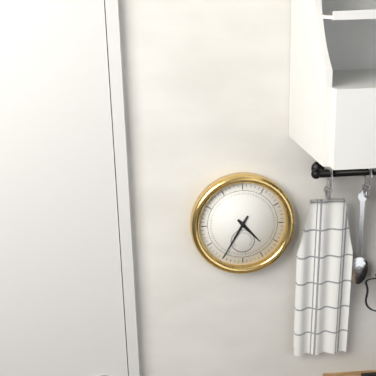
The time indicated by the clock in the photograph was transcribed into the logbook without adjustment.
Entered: 4:35
